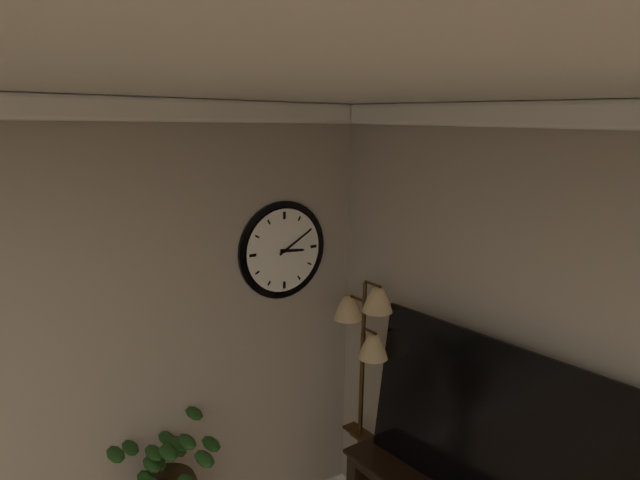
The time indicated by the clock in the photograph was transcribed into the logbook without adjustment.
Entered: 3:10
